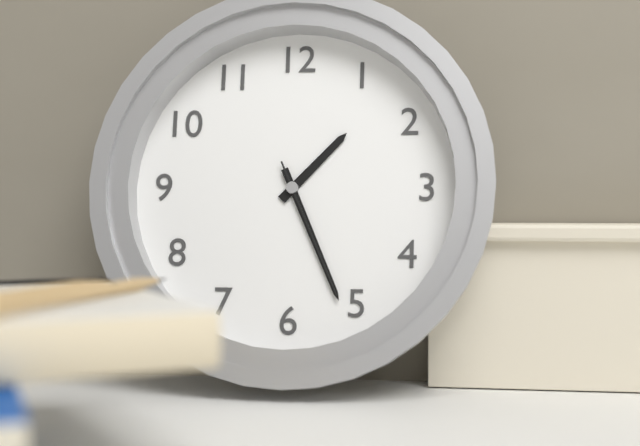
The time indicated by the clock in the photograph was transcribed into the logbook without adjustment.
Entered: 1:26:26
